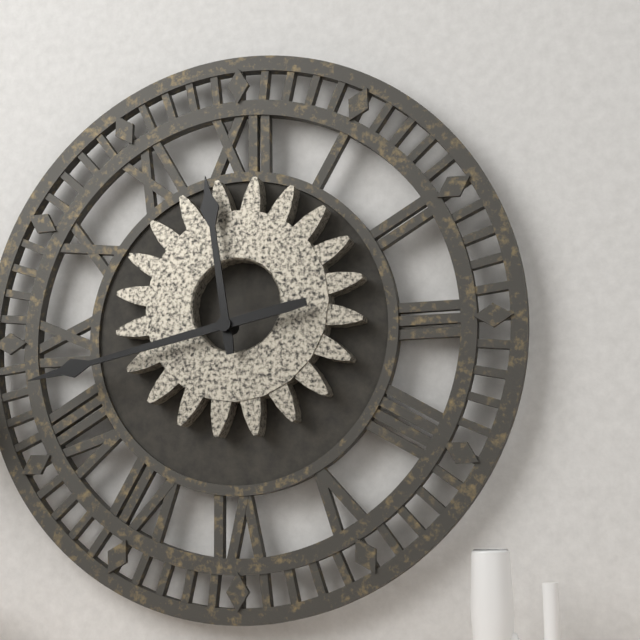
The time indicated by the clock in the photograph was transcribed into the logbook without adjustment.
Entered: 11:43
